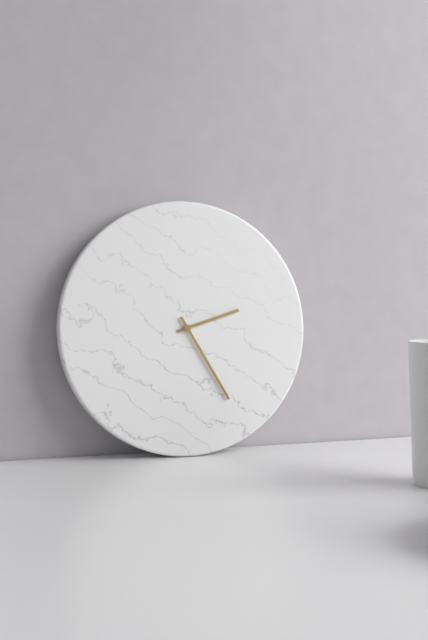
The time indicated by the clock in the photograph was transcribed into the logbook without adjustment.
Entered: 2:25
